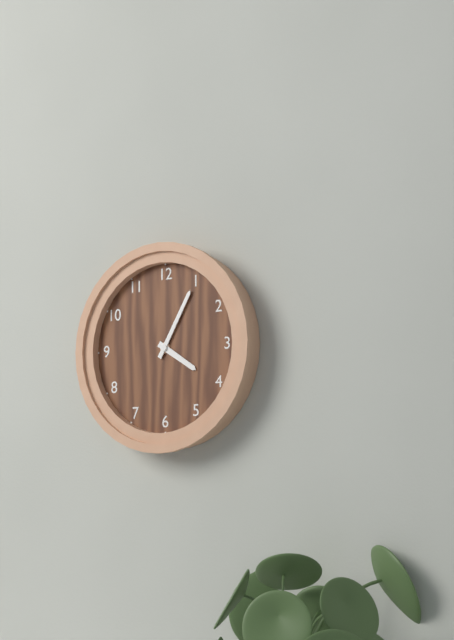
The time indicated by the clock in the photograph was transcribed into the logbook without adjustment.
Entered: 4:05
